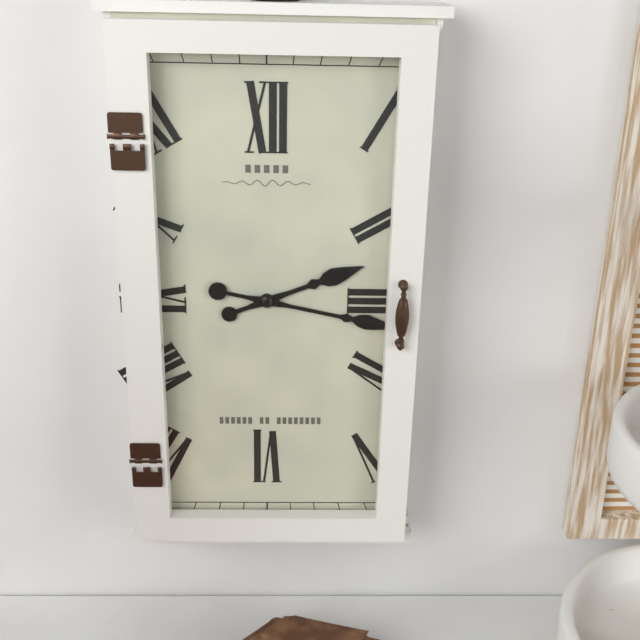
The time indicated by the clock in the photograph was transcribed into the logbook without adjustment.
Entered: 2:17
